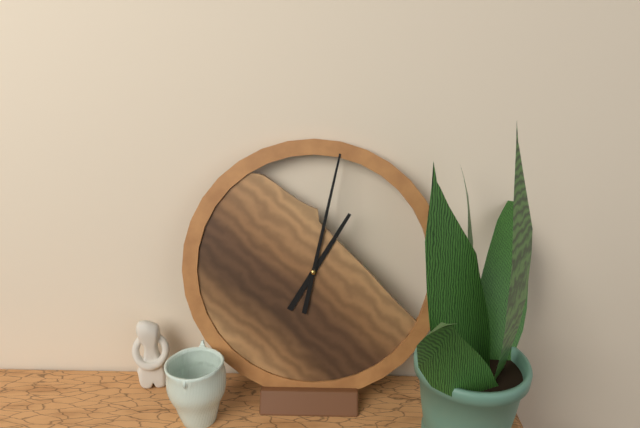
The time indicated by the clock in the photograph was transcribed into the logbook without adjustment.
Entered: 1:02
